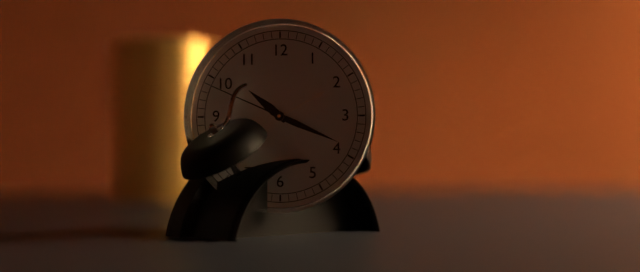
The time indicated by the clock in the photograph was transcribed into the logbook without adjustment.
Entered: 10:19:49
